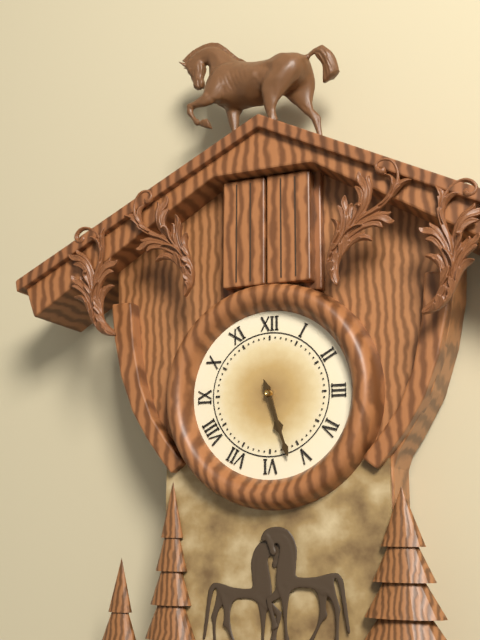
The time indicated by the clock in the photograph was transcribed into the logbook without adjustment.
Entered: 5:27
